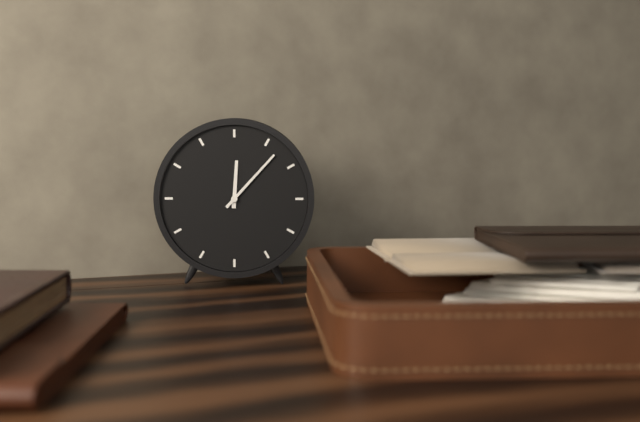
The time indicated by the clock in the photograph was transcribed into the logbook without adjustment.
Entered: 12:07
